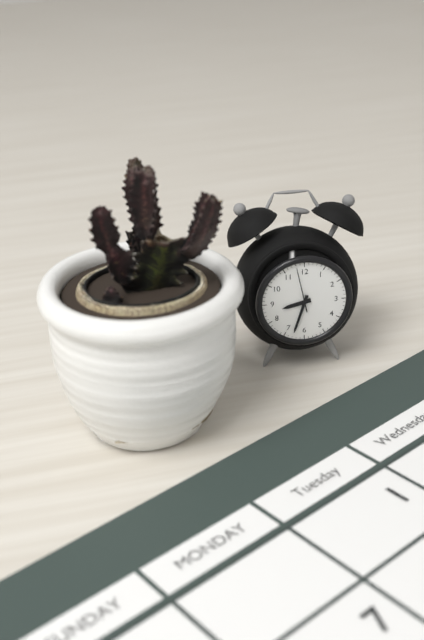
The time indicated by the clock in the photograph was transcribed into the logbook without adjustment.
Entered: 8:33
